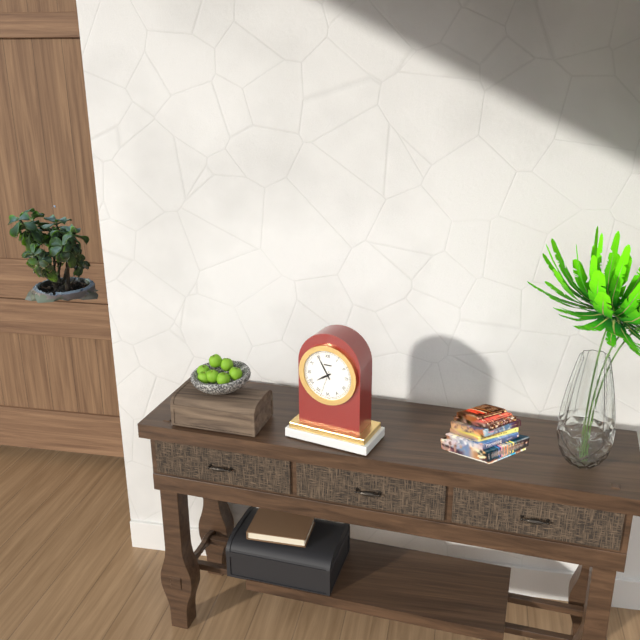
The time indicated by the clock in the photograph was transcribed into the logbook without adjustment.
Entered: 7:55
